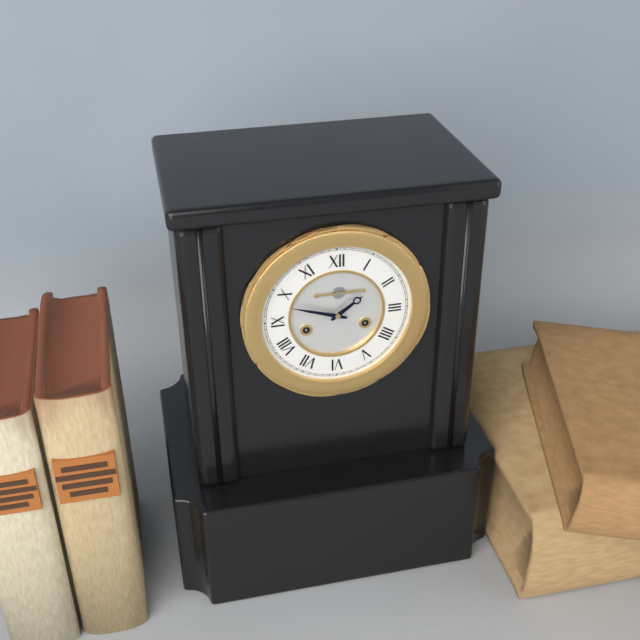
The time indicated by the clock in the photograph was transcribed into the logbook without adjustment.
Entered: 1:48
